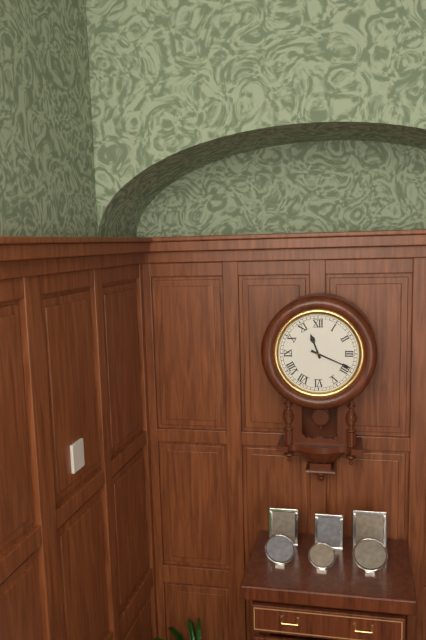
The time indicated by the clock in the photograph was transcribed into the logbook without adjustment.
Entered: 11:19
